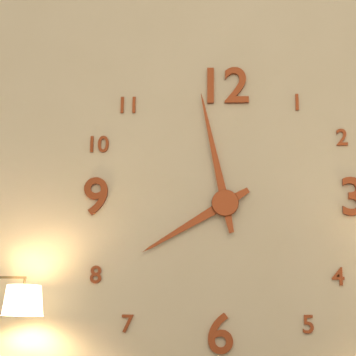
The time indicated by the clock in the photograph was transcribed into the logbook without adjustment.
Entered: 7:58
